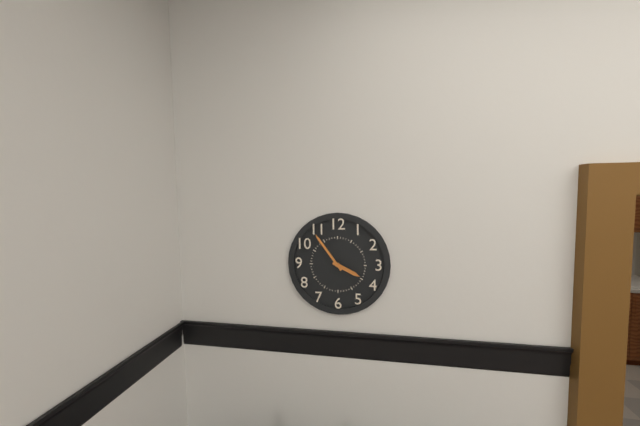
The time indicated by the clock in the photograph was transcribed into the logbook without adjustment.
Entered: 3:54
